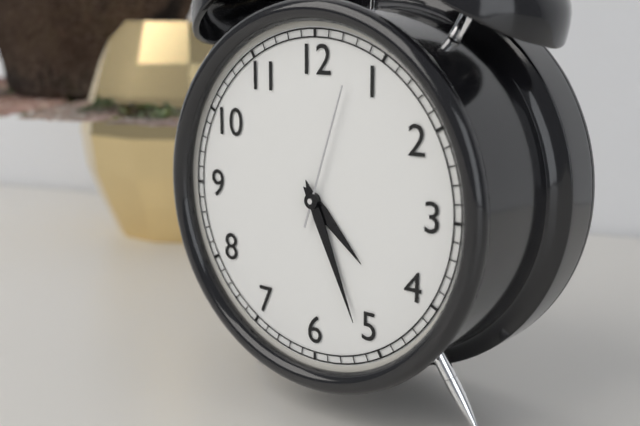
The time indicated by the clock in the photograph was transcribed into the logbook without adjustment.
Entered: 4:26:03
